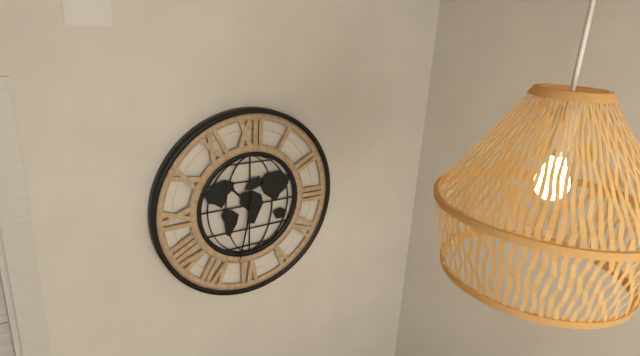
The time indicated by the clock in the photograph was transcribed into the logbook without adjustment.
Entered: 10:32
